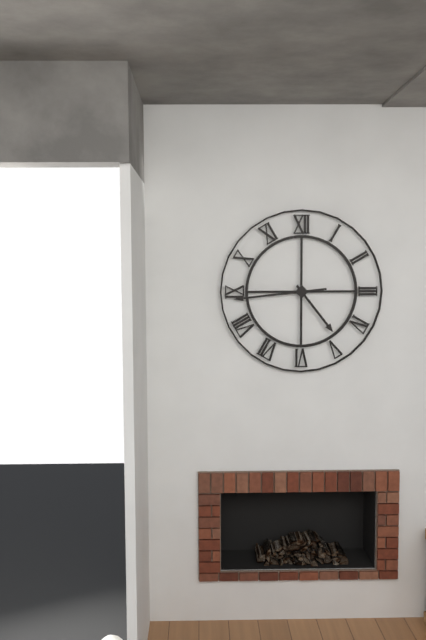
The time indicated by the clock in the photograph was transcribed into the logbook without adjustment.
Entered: 4:44
